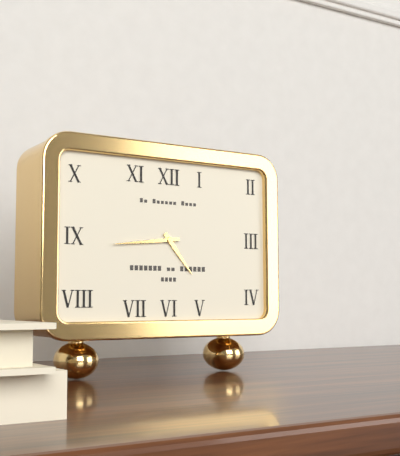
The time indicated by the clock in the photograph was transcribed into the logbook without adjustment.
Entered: 4:44
